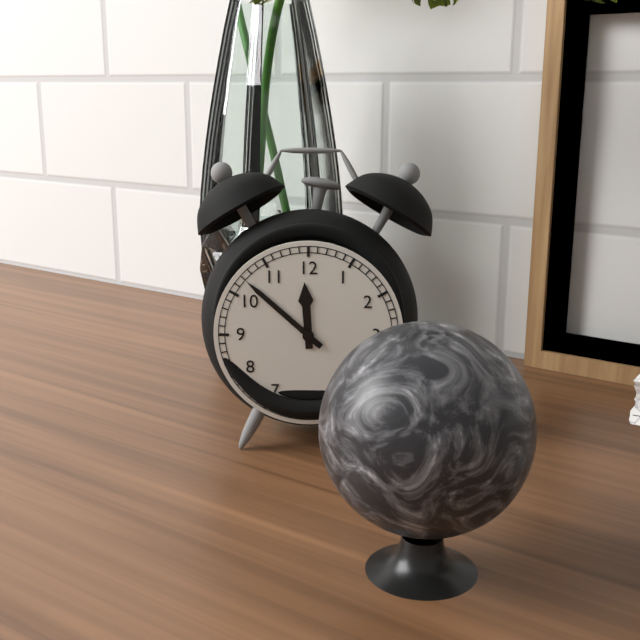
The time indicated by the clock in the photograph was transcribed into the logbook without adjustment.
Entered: 11:52
